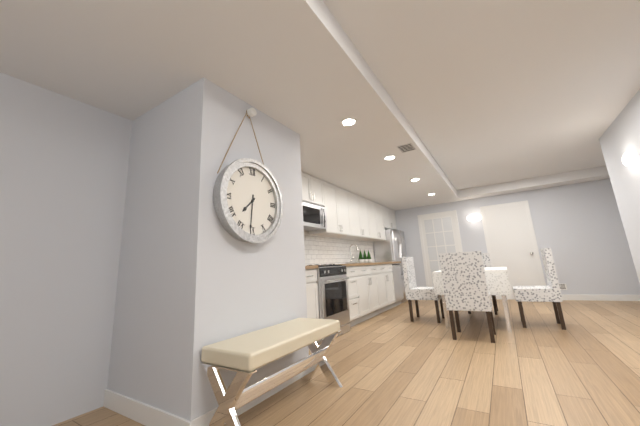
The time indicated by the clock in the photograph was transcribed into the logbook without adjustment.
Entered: 7:31
